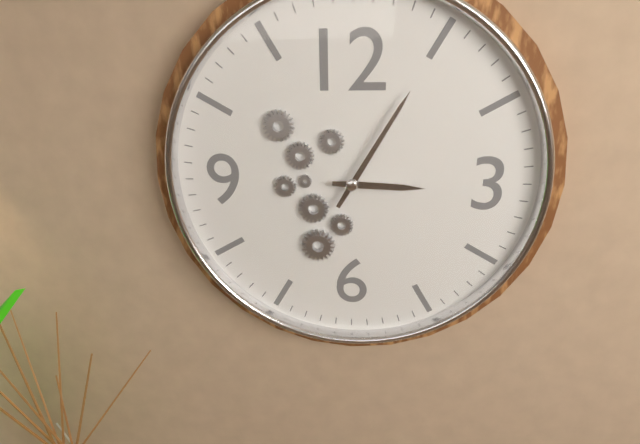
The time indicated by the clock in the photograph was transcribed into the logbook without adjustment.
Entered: 3:05
